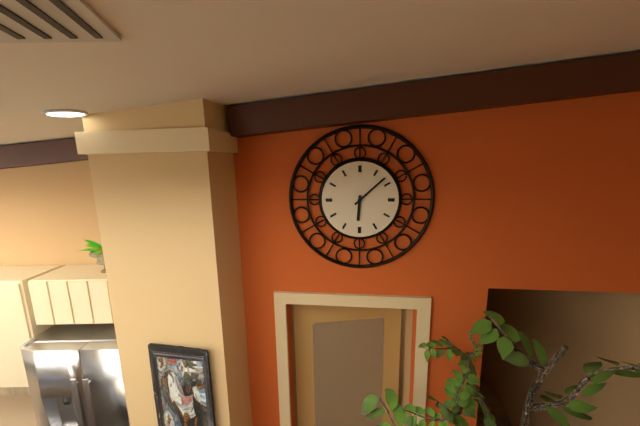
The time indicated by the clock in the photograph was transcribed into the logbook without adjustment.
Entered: 6:08
